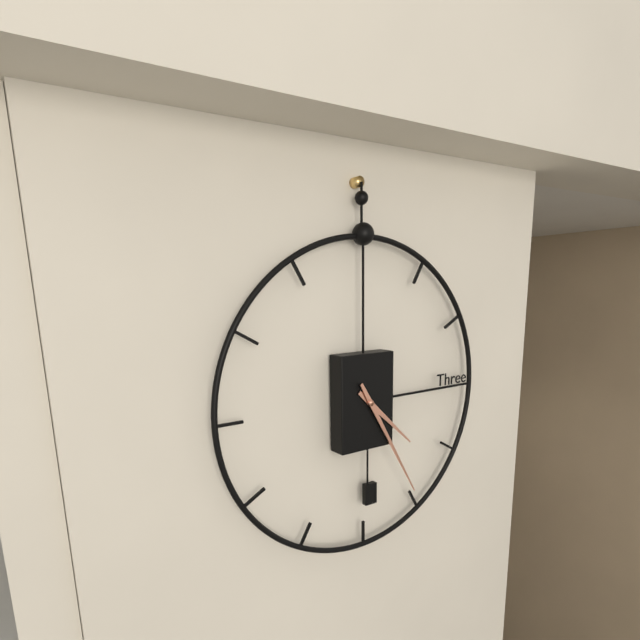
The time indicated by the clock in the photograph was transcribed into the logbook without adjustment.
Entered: 4:25
